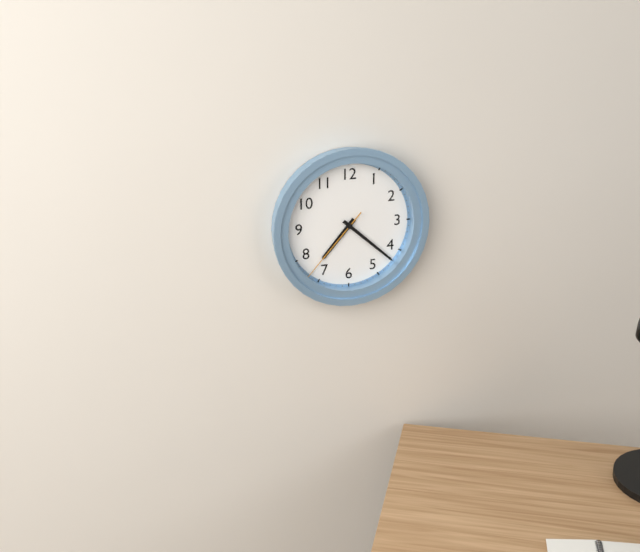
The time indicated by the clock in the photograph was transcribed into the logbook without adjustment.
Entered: 7:22:37
